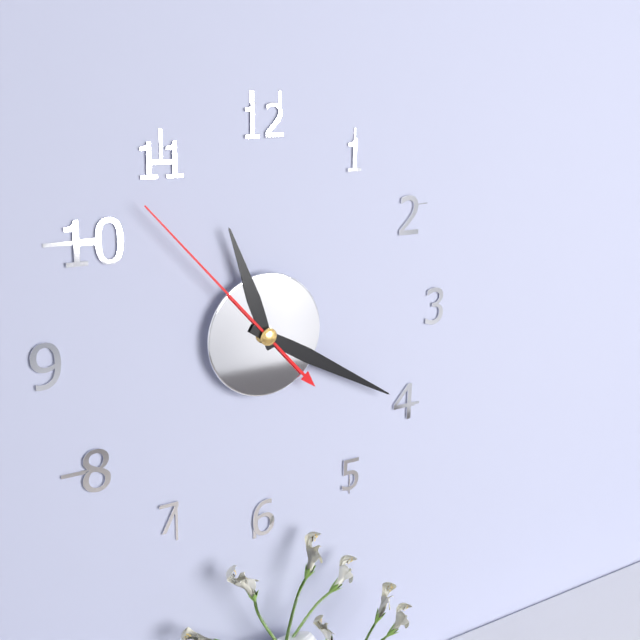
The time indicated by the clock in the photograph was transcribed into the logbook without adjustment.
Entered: 11:20:53
